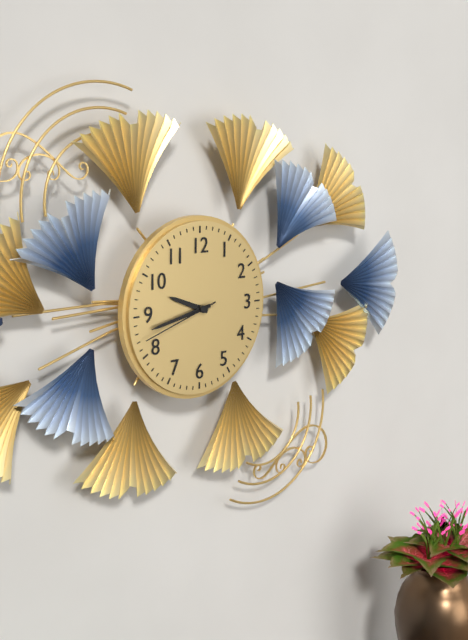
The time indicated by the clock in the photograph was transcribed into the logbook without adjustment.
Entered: 9:43:42
